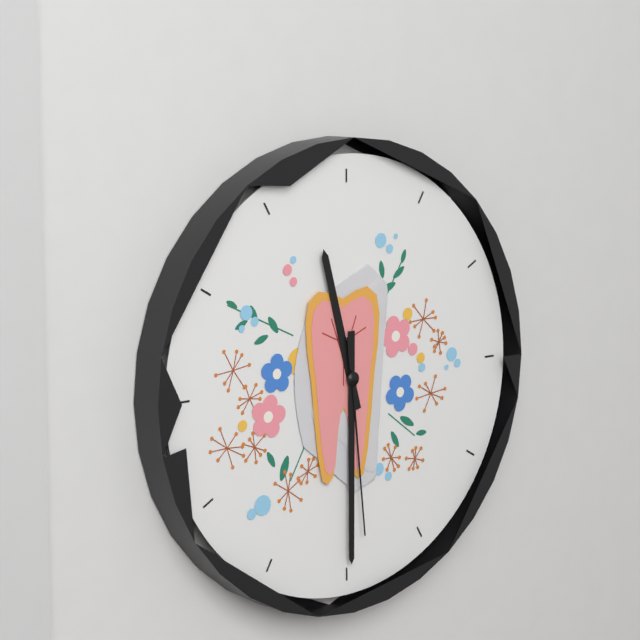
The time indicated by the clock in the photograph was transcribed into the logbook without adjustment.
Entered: 11:30:29
